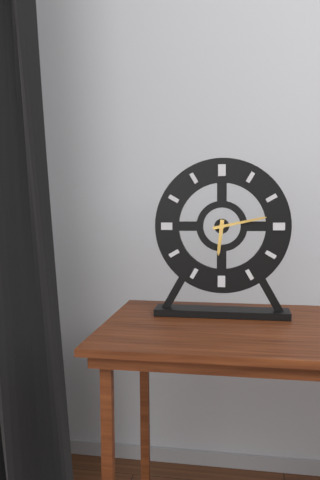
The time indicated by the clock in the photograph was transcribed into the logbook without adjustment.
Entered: 6:13
